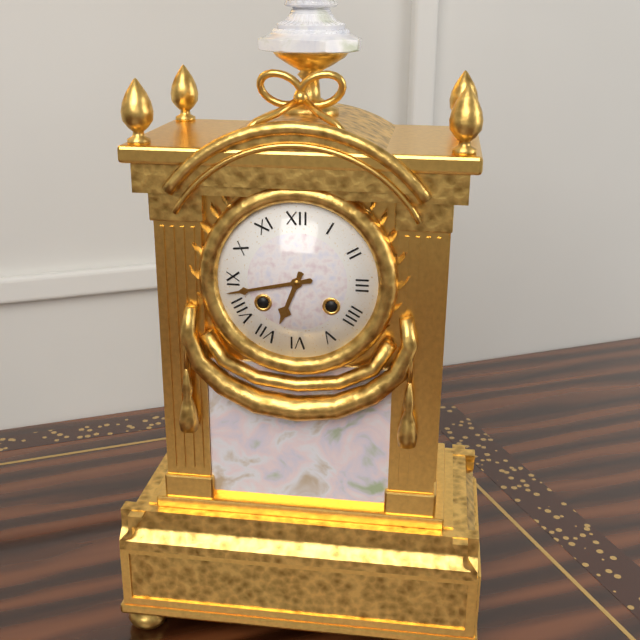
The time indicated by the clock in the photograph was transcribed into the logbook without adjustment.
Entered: 6:43
